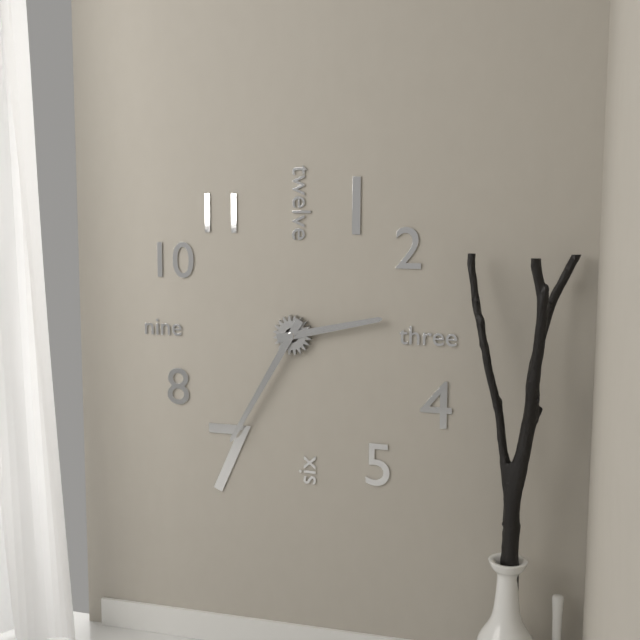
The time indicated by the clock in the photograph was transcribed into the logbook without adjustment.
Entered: 2:35
